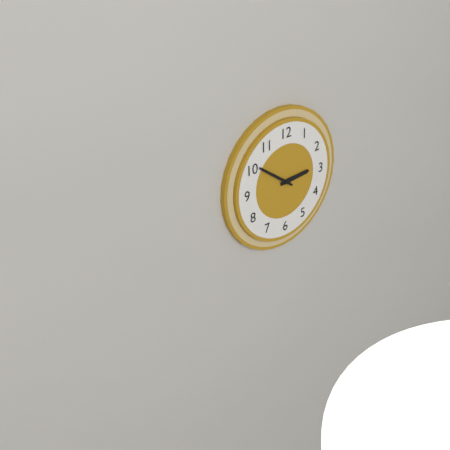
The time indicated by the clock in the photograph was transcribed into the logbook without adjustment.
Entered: 2:51
